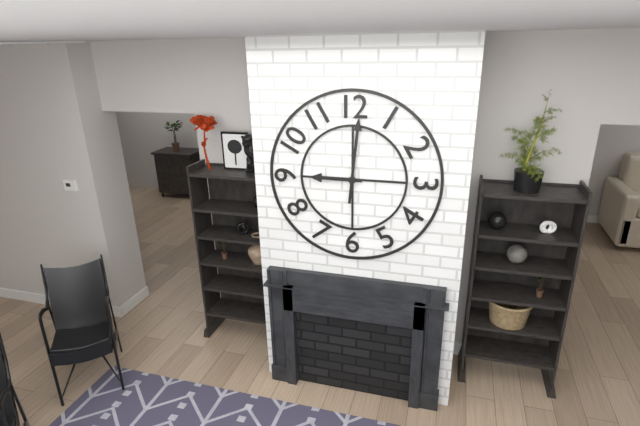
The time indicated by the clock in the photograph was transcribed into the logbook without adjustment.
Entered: 9:01
